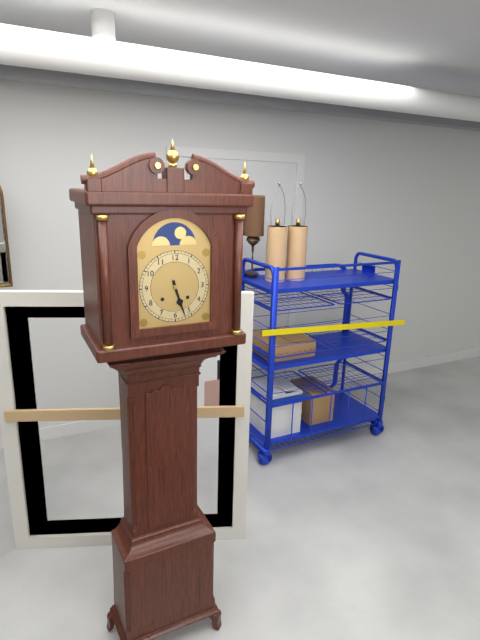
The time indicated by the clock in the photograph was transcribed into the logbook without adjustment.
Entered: 5:27
